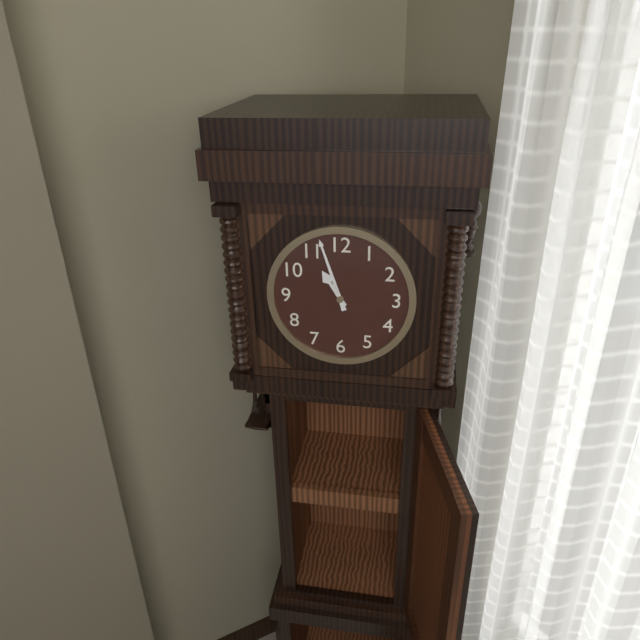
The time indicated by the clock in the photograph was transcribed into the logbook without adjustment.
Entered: 10:57
